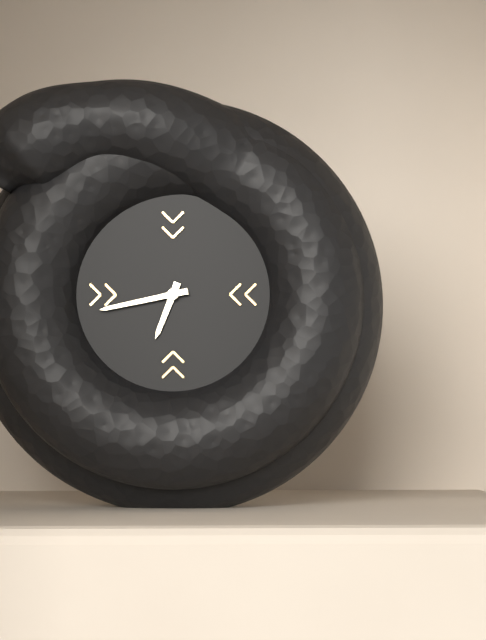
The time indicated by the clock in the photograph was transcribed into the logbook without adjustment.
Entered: 6:43
